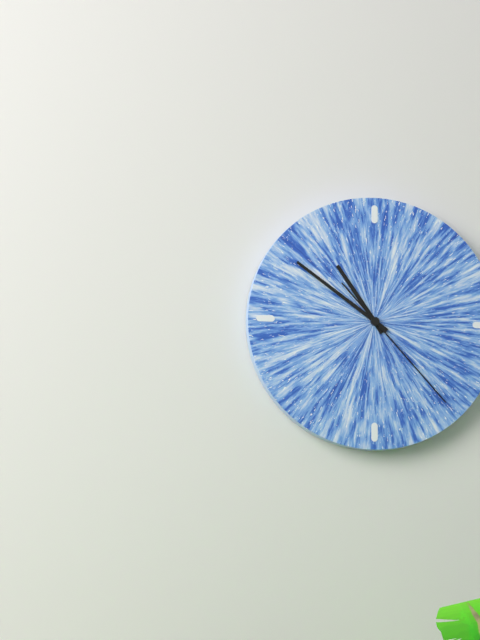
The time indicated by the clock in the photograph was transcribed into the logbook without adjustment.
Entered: 10:51:23
